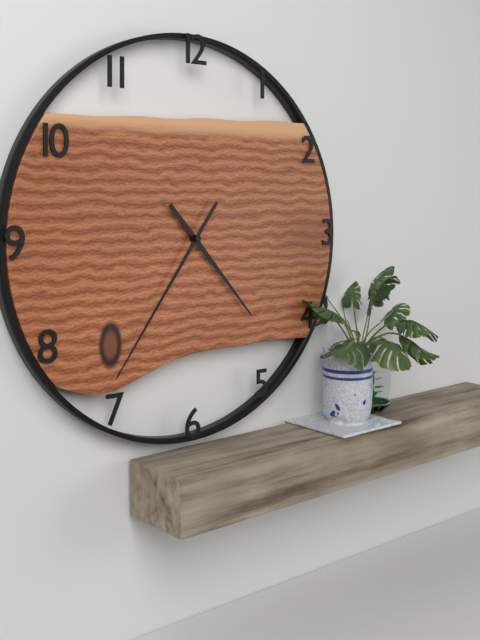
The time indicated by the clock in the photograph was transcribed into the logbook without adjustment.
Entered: 4:36
